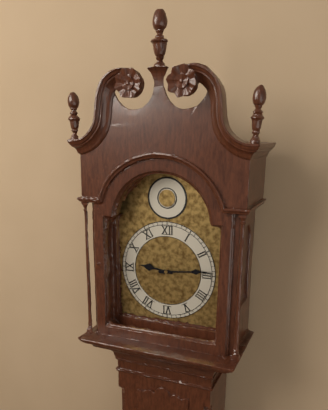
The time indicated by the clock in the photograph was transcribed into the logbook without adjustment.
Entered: 9:14
